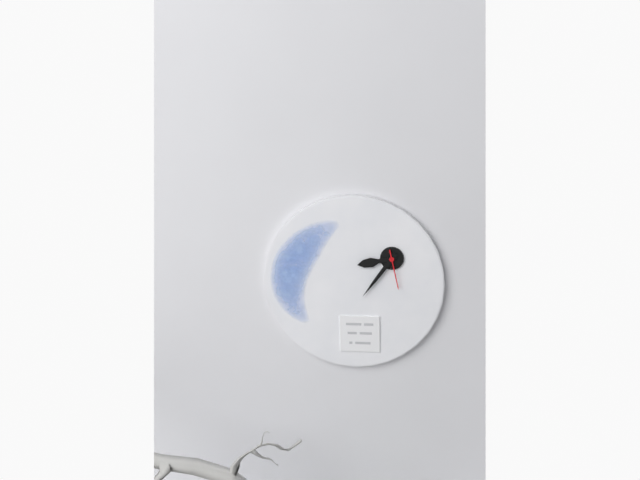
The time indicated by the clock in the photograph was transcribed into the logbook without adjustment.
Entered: 8:36
